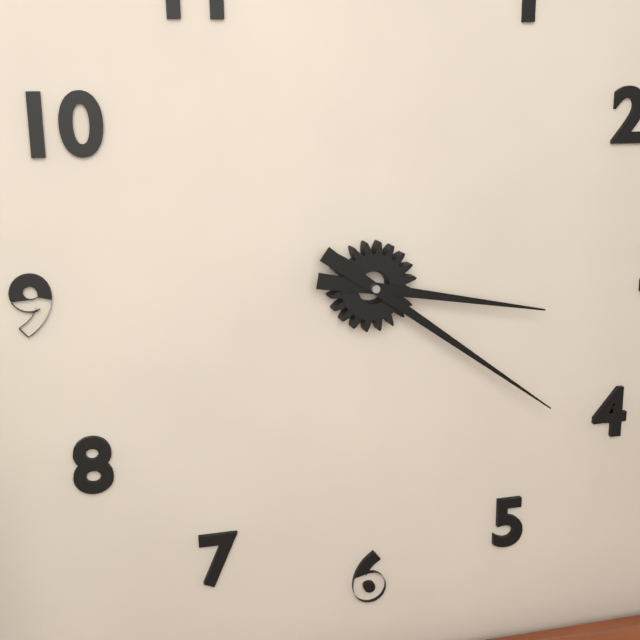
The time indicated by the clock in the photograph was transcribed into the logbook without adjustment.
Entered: 3:21
